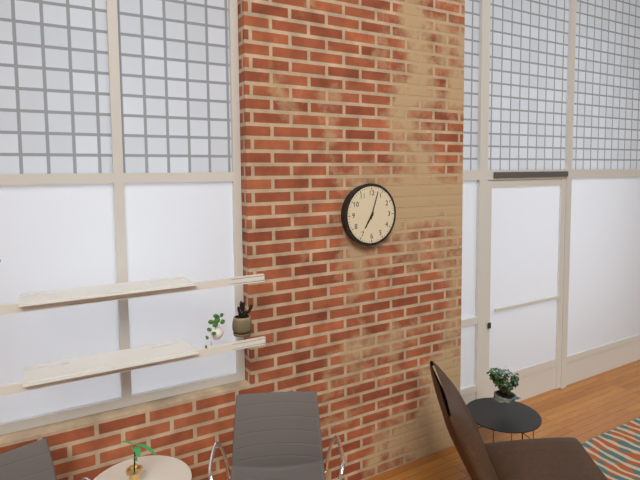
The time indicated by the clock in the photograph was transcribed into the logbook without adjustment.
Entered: 7:03
